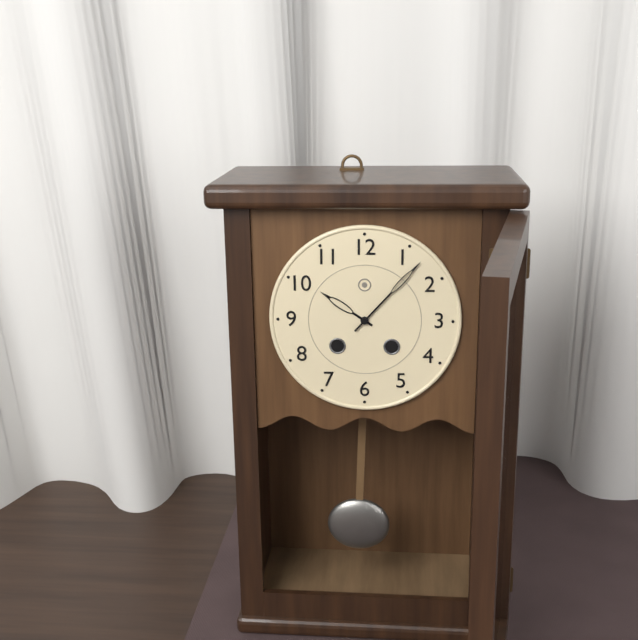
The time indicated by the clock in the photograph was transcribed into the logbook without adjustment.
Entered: 10:07
